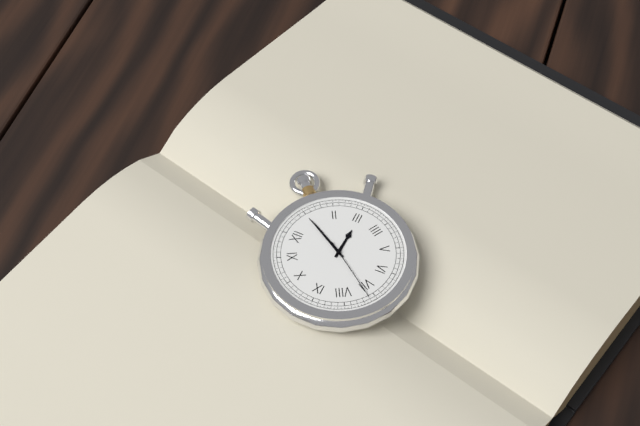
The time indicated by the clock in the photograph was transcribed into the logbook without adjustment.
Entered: 3:05:36
